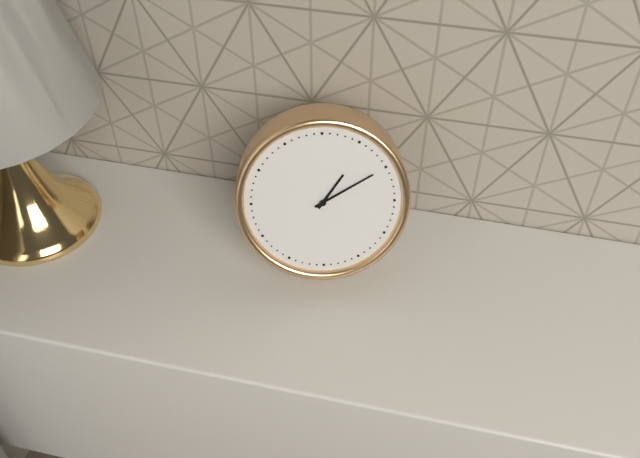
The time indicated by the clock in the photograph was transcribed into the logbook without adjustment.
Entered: 1:10
